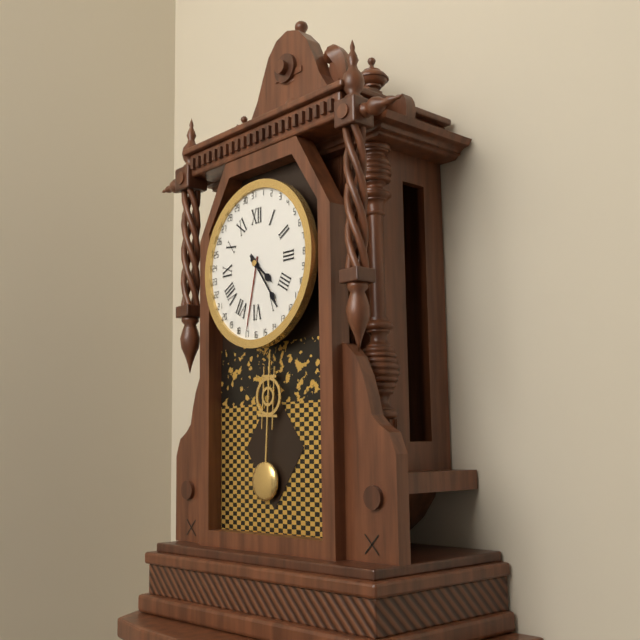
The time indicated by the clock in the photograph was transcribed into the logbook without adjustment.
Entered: 4:24
